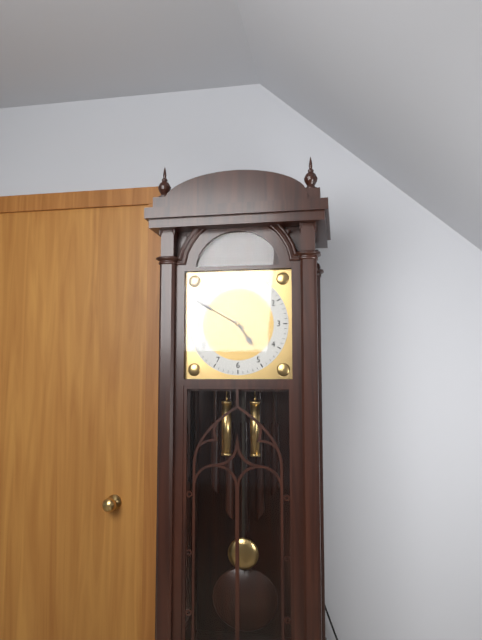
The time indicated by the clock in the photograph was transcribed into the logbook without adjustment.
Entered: 4:50
